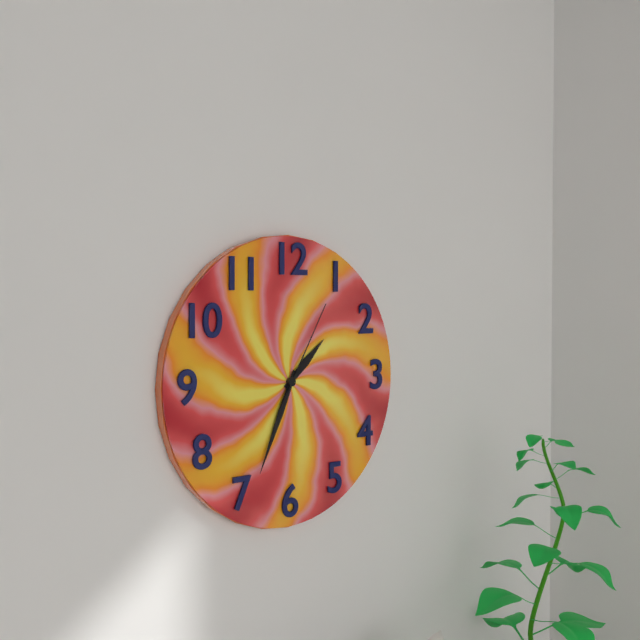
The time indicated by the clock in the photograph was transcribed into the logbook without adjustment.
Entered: 1:34:05
